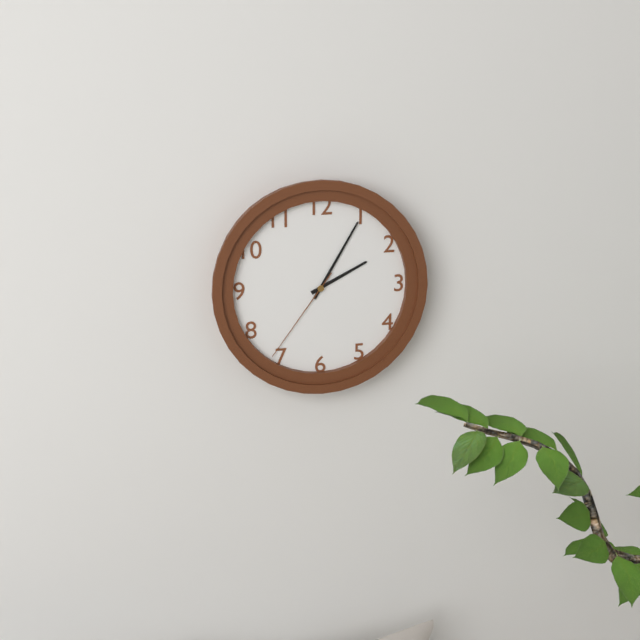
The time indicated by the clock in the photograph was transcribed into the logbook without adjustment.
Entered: 2:05:36
